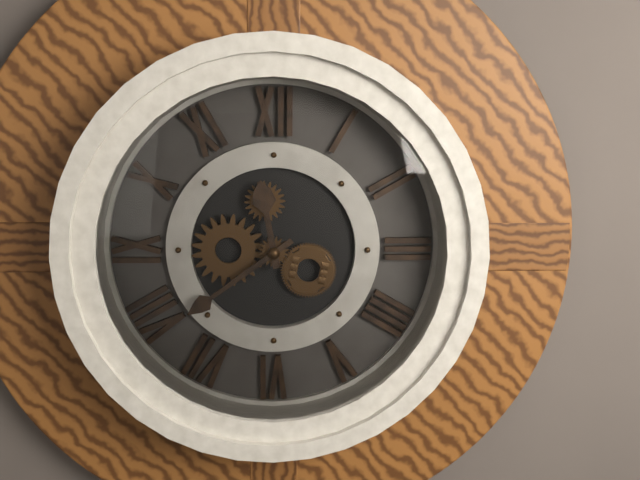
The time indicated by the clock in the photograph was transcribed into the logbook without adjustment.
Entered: 11:39
